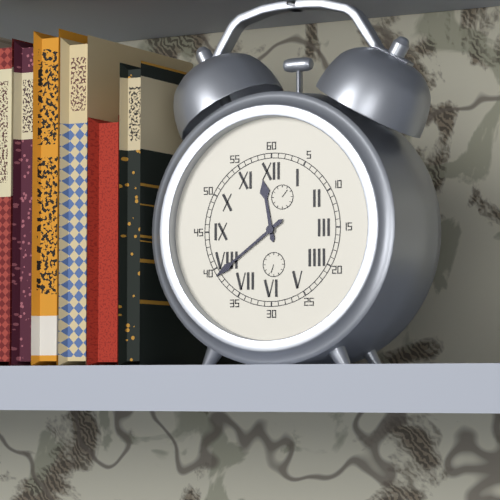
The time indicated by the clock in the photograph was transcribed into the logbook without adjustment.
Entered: 11:39
